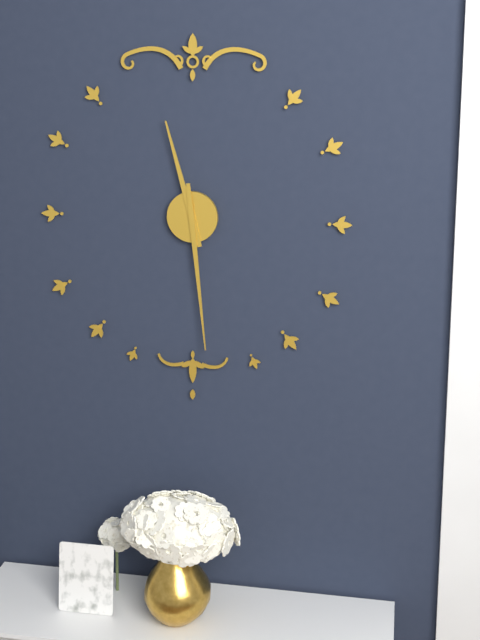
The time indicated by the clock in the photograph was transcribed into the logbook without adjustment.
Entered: 11:29
